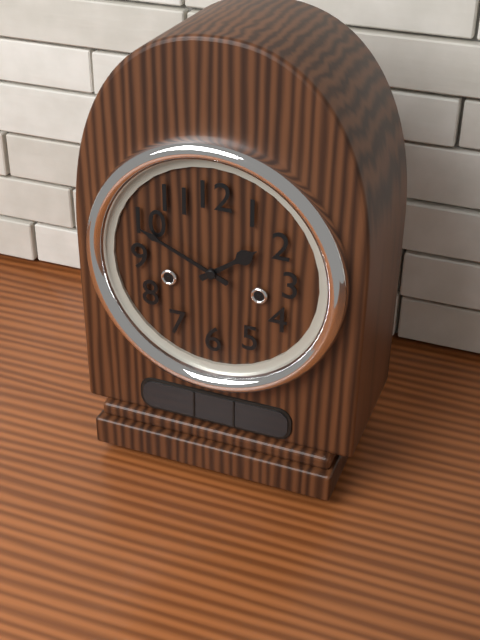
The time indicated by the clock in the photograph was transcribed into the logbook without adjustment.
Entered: 1:49
